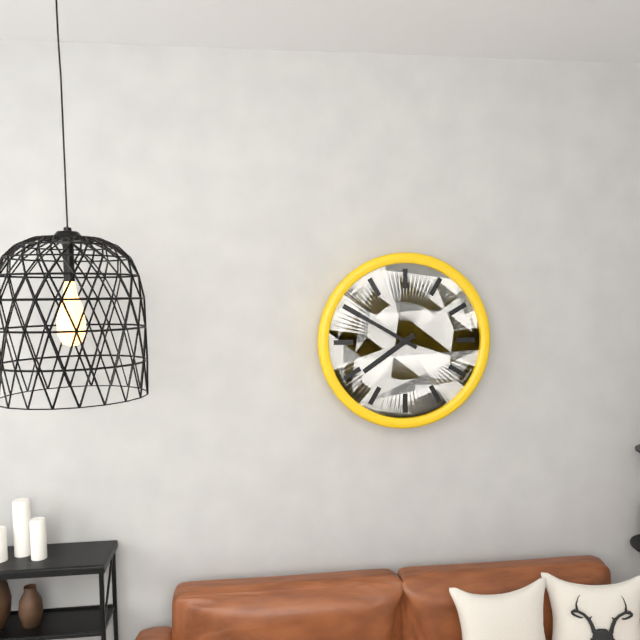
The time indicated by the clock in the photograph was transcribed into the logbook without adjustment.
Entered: 7:50
